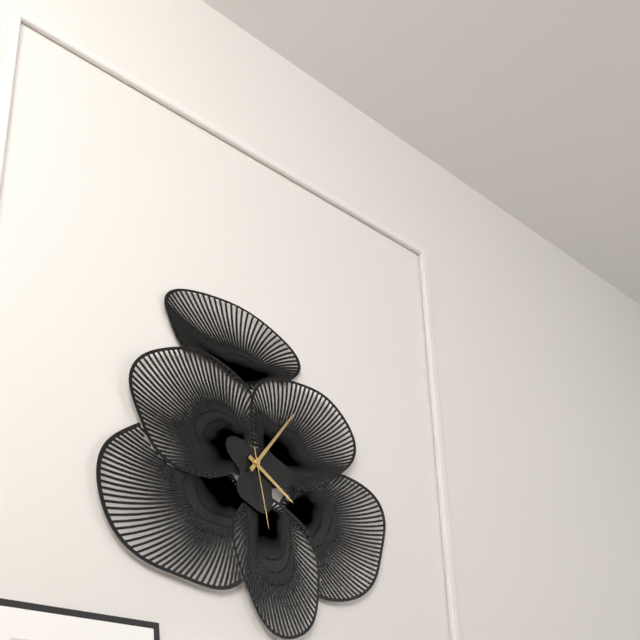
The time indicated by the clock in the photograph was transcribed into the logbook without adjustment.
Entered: 4:06:28
